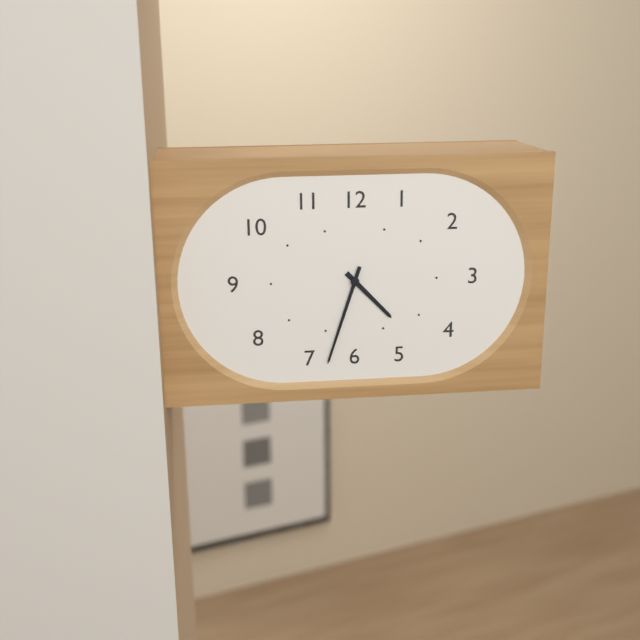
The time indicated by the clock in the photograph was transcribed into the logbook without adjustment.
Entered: 4:33
